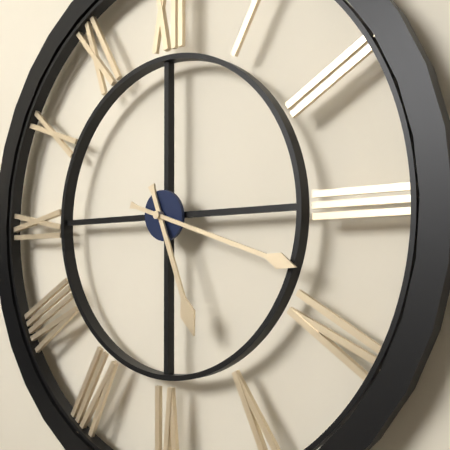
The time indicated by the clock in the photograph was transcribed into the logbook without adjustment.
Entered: 5:18
